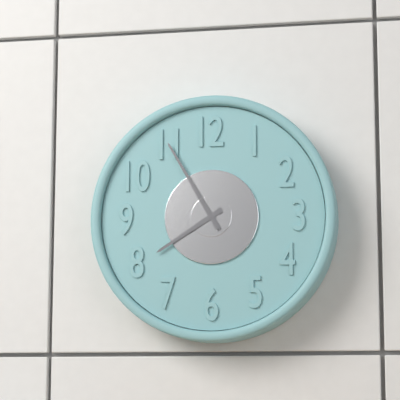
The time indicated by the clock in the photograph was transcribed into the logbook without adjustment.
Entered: 7:55
